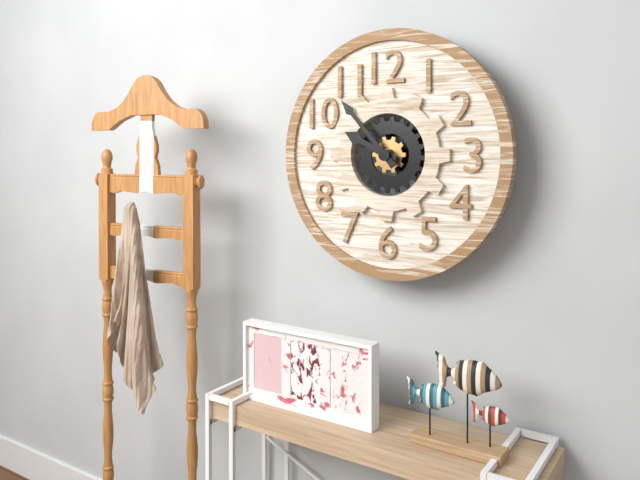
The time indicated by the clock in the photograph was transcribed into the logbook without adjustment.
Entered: 9:53
